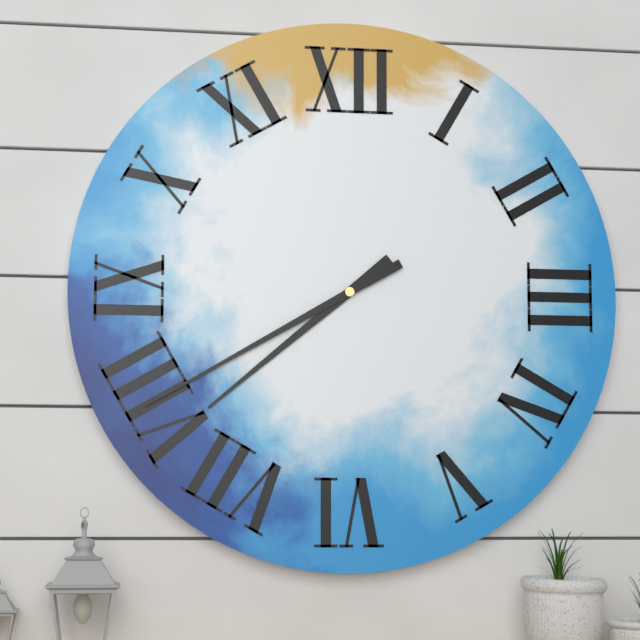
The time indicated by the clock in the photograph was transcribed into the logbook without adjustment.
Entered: 7:40
